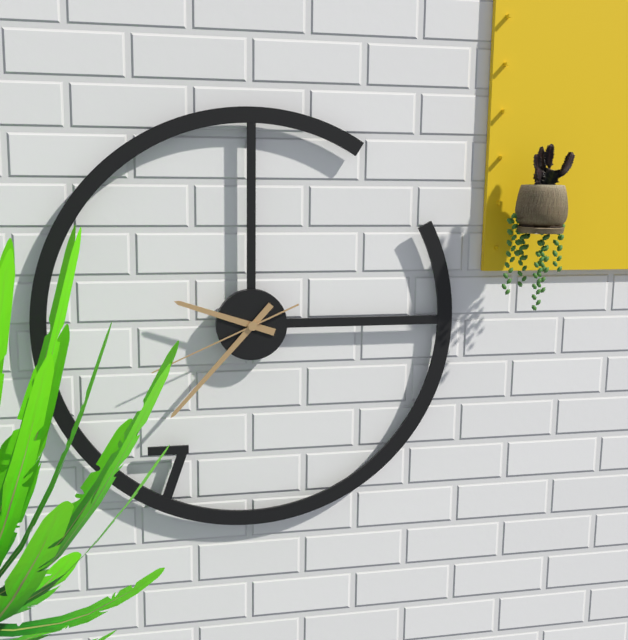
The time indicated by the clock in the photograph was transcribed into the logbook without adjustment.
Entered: 9:37:41
